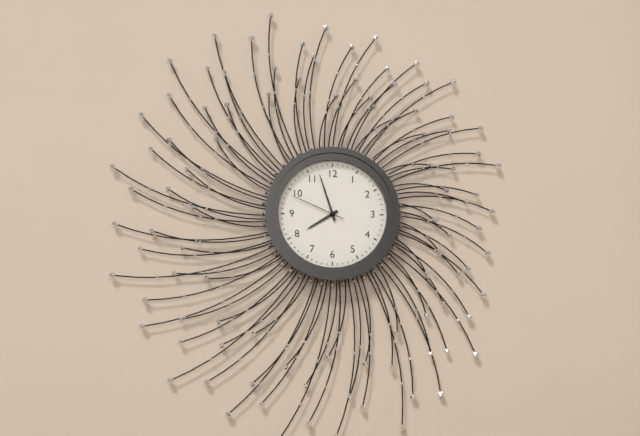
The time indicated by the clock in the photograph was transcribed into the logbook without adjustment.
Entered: 7:57:49
